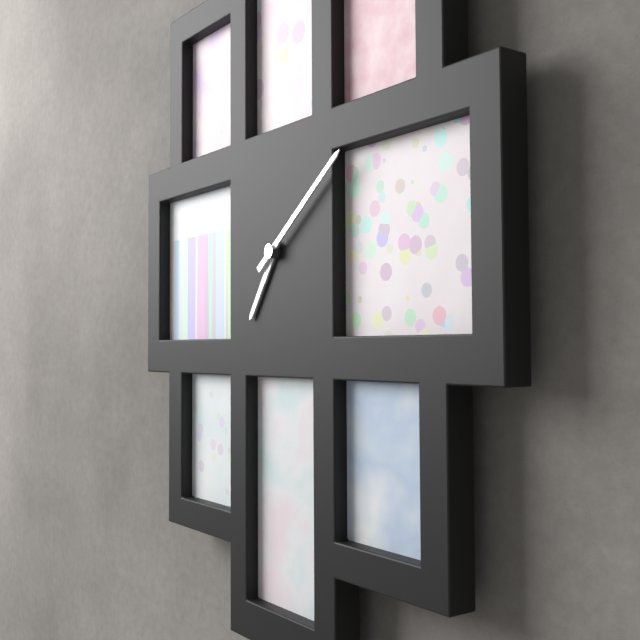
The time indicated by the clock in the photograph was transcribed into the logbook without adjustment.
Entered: 7:09
